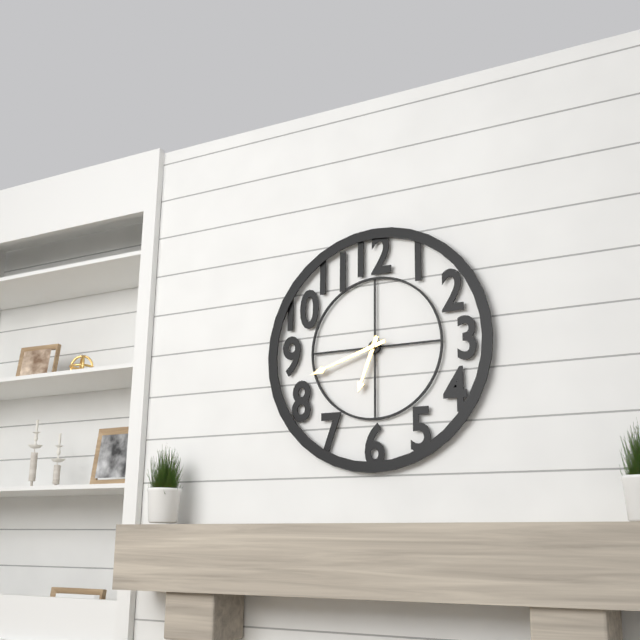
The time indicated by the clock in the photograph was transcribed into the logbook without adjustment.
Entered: 6:42
